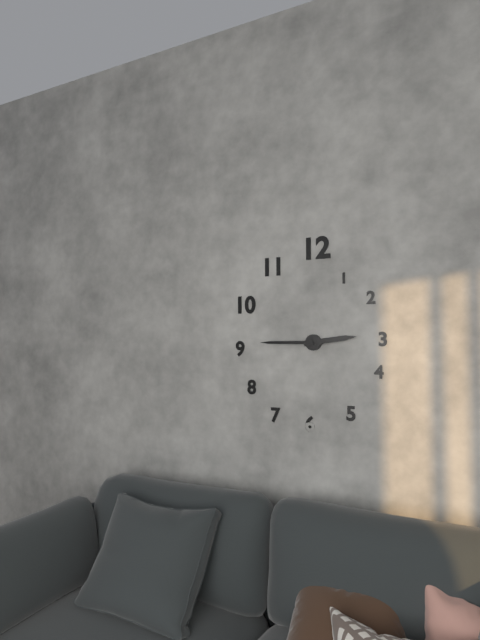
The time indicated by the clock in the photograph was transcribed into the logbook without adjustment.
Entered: 2:45
